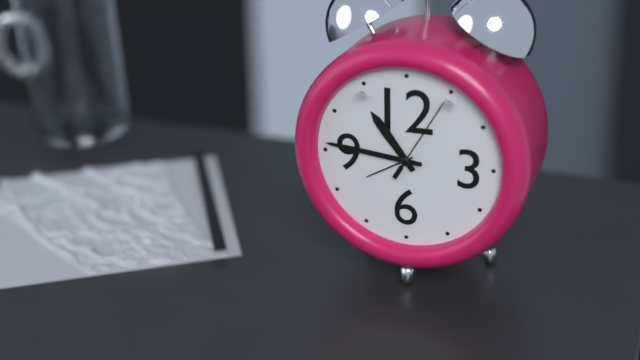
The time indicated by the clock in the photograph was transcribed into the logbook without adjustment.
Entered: 10:46:05
